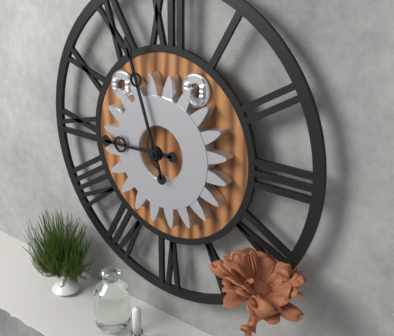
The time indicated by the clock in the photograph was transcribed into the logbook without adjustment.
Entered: 8:57
